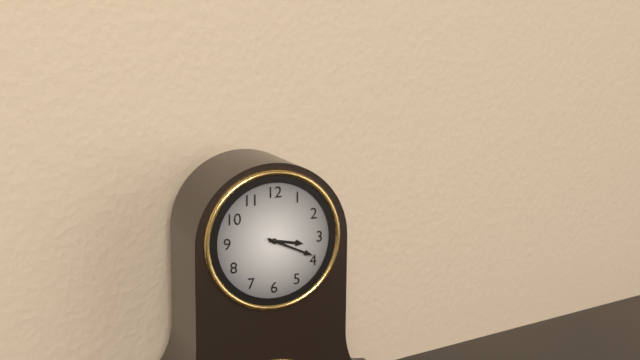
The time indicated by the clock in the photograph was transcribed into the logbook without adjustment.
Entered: 3:19
